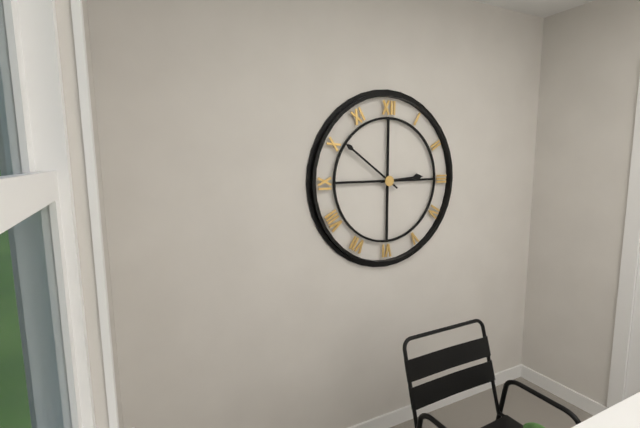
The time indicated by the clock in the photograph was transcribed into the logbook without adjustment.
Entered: 2:51
